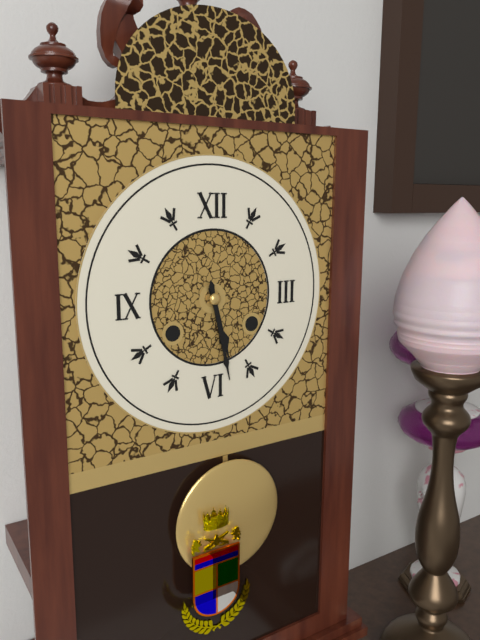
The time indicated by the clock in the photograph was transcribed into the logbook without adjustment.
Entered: 5:28
